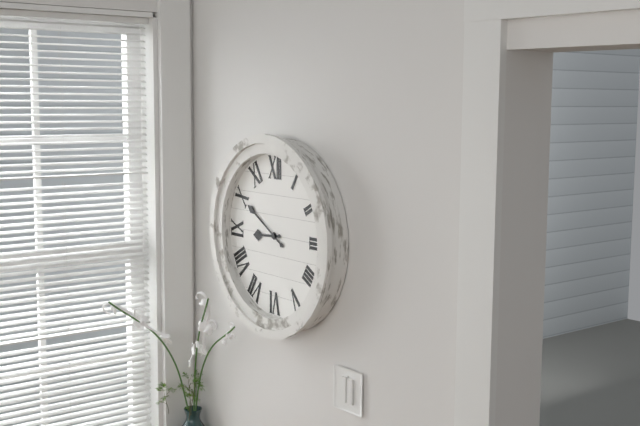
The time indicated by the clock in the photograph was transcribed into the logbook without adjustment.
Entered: 8:50
